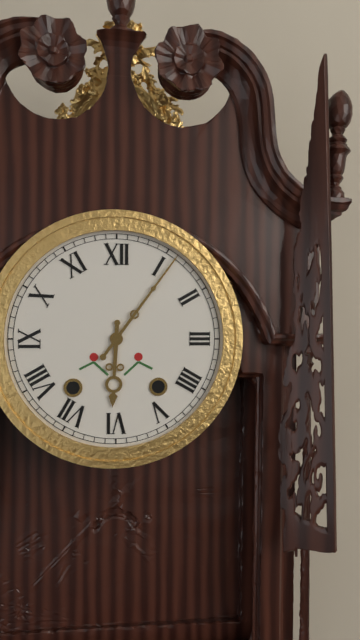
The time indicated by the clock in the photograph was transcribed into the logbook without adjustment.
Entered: 6:06
